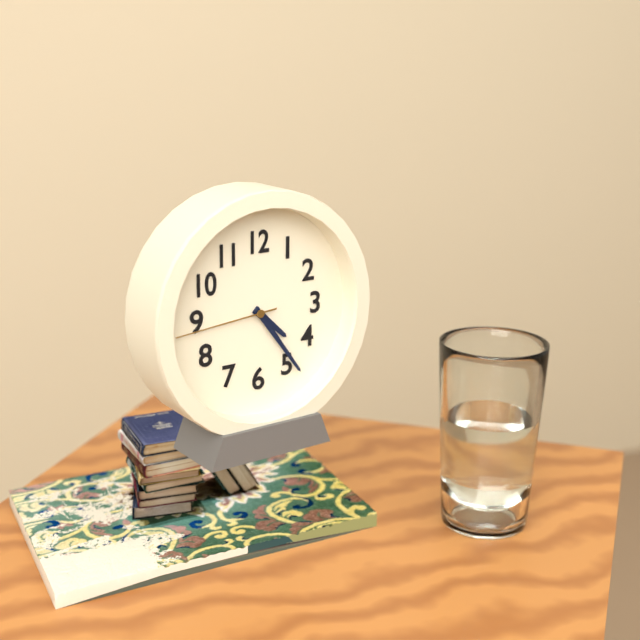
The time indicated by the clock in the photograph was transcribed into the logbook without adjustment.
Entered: 4:24:44
